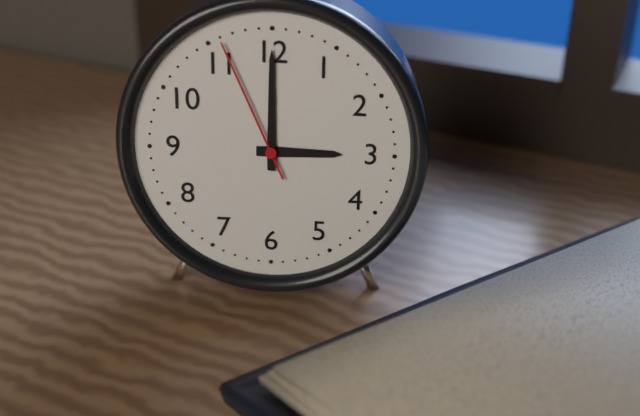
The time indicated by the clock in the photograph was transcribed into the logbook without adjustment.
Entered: 3:00:56
